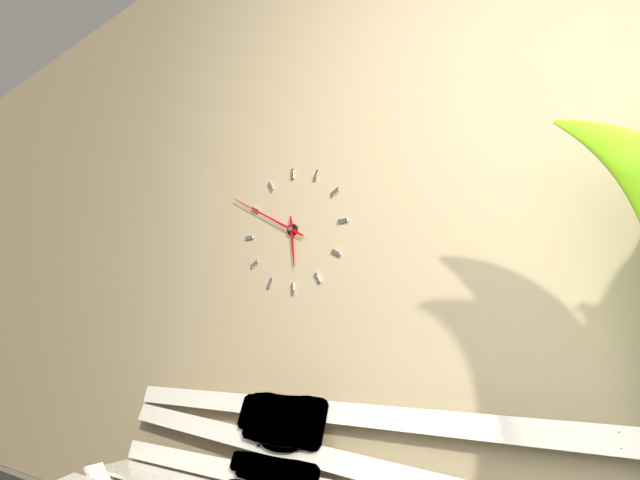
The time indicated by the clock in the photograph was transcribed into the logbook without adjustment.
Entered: 5:50
